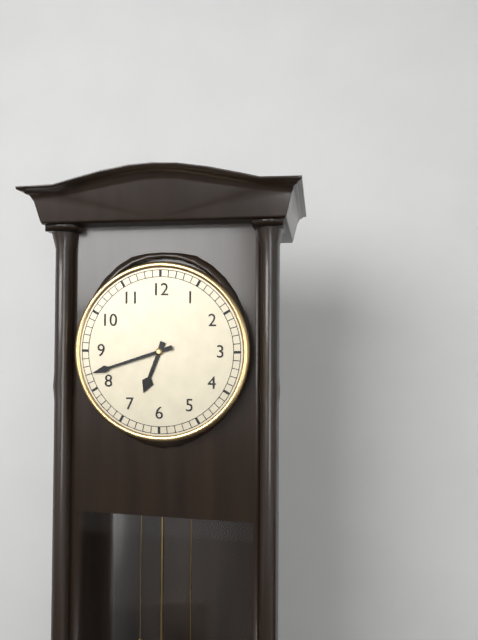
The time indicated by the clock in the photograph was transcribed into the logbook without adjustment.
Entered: 6:42
